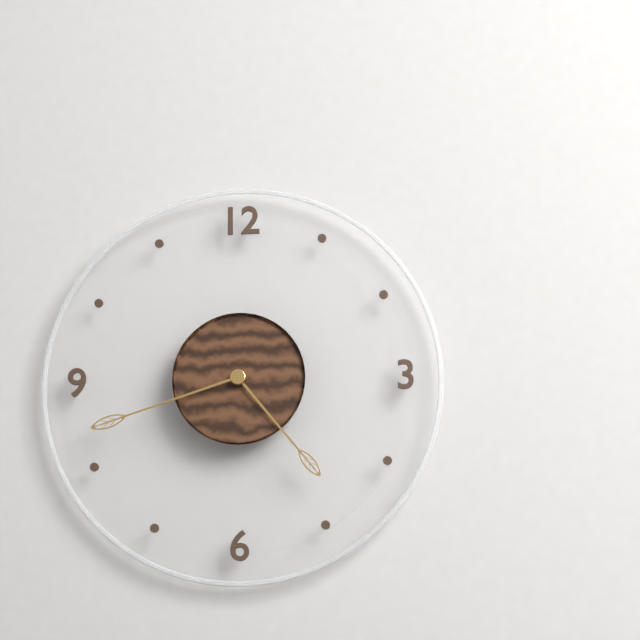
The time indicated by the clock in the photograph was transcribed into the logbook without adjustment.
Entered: 4:42
